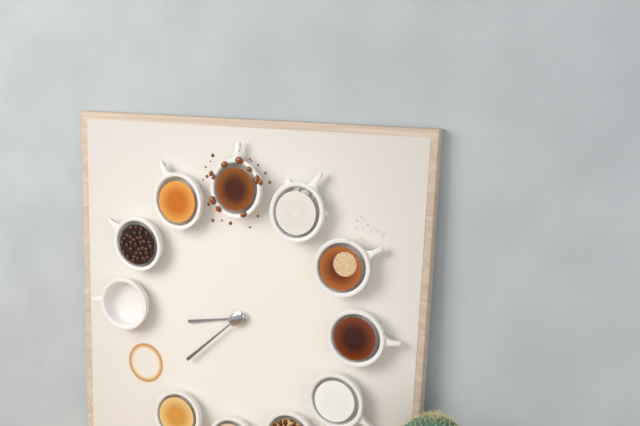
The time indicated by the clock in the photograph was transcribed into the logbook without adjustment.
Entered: 8:38
